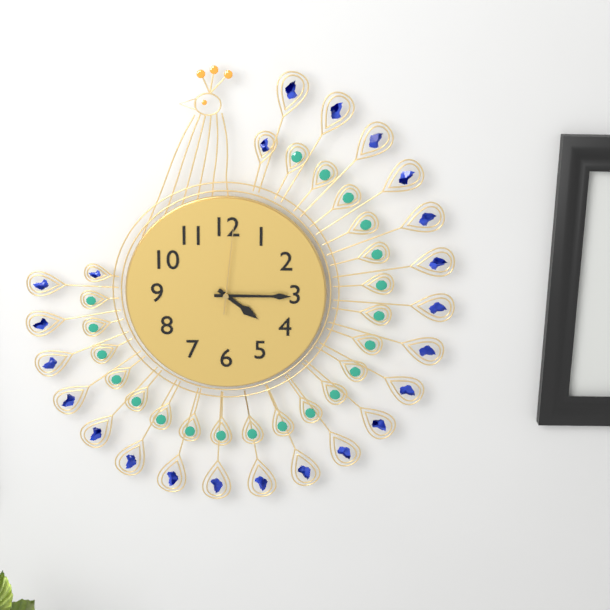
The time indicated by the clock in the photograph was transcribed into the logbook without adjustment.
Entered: 4:15:01
